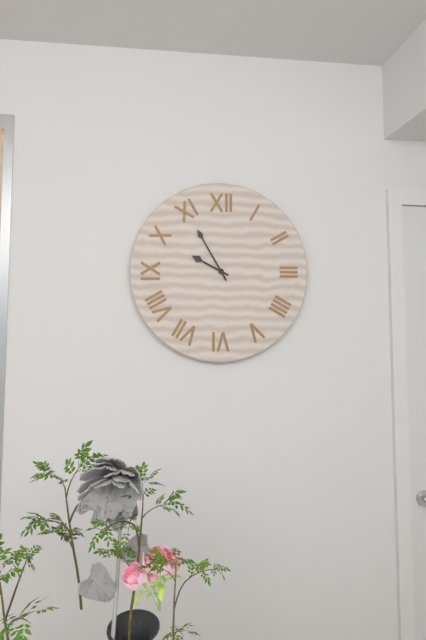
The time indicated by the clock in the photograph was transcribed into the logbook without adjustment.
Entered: 9:55
